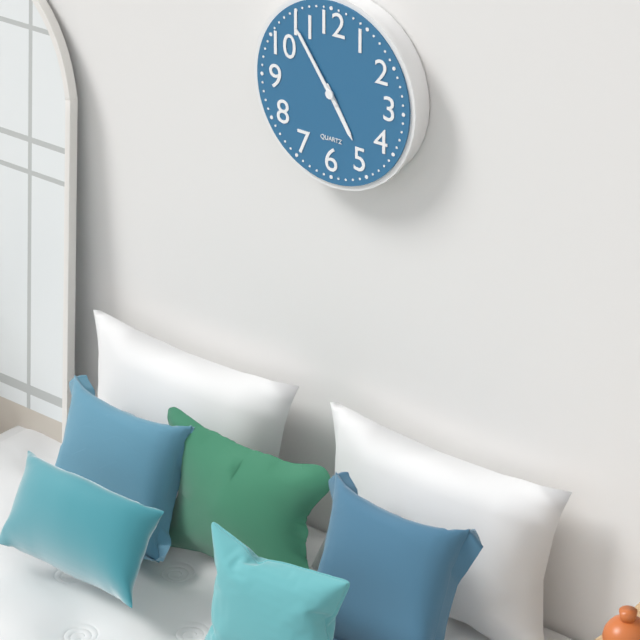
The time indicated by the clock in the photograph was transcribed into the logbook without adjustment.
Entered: 4:54
